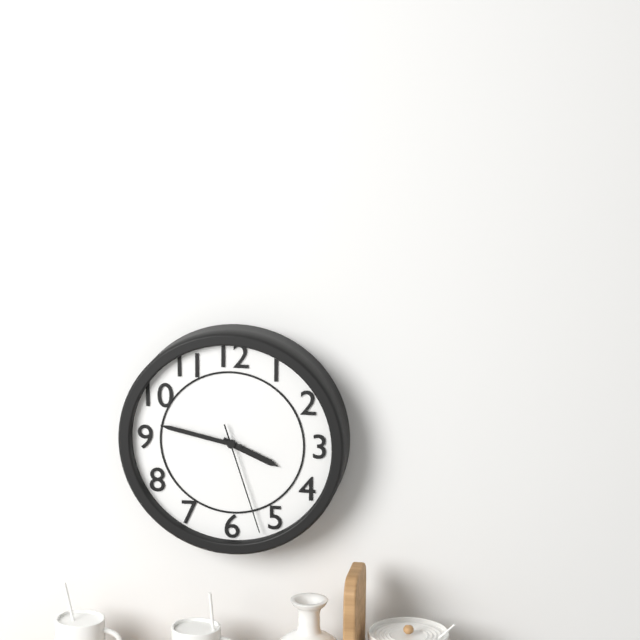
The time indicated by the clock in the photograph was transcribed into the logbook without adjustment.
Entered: 3:47:27
